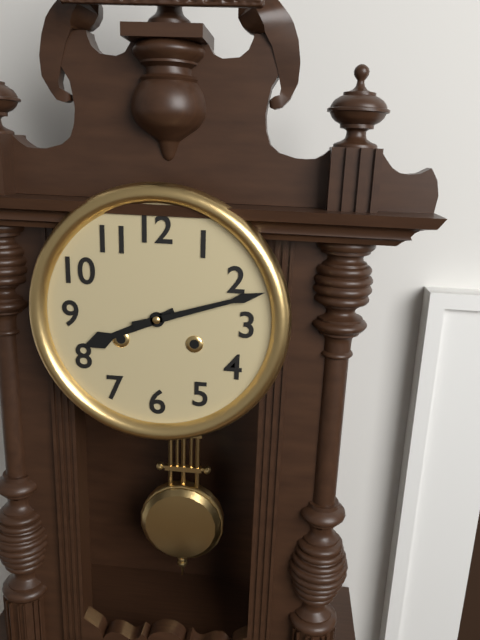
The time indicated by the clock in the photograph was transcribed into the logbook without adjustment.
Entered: 8:12
